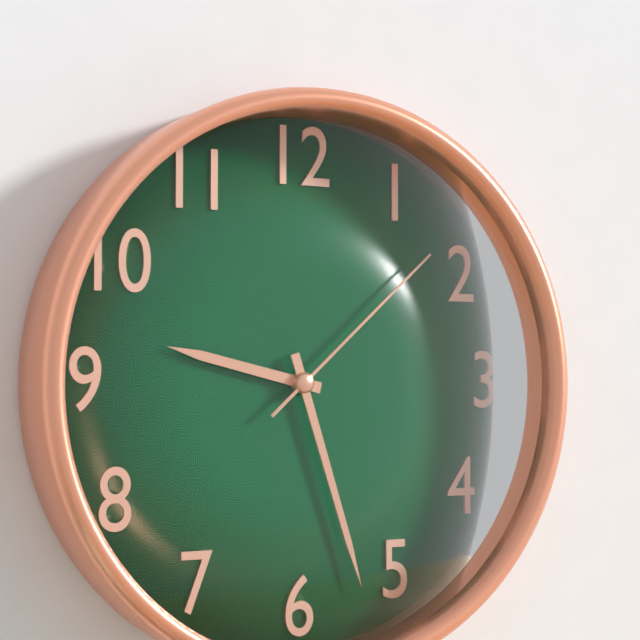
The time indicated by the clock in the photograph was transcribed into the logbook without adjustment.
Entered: 9:27:08
